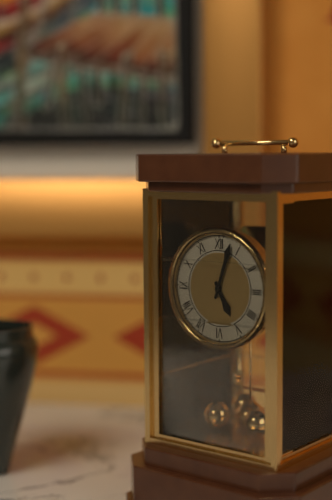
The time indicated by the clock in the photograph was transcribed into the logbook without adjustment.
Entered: 5:03
